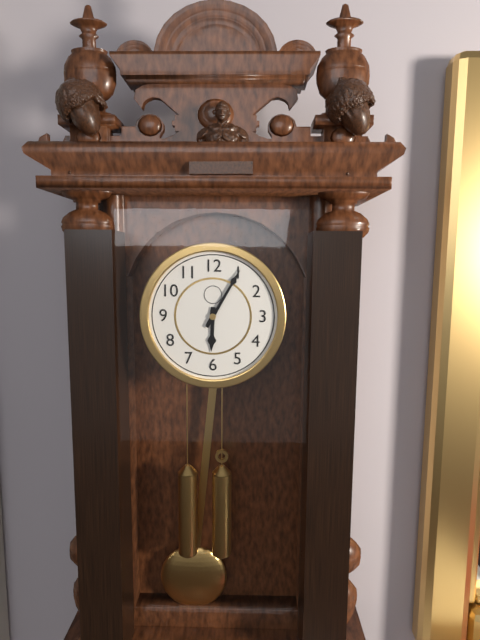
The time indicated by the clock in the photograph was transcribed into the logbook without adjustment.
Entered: 6:05
